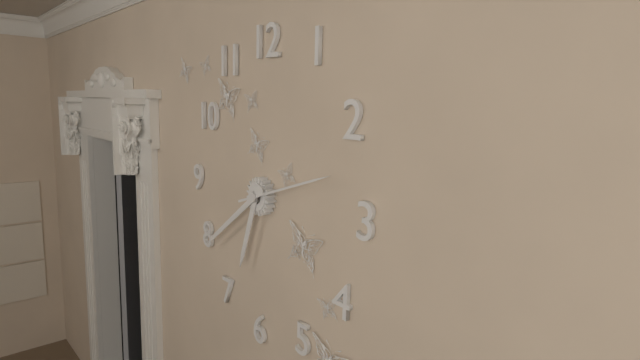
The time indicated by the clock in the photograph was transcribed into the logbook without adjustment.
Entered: 6:39:12
